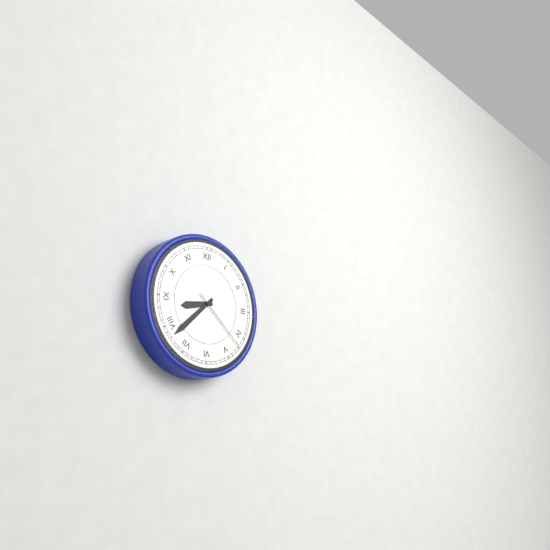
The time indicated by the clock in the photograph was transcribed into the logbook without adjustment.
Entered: 8:38:22
